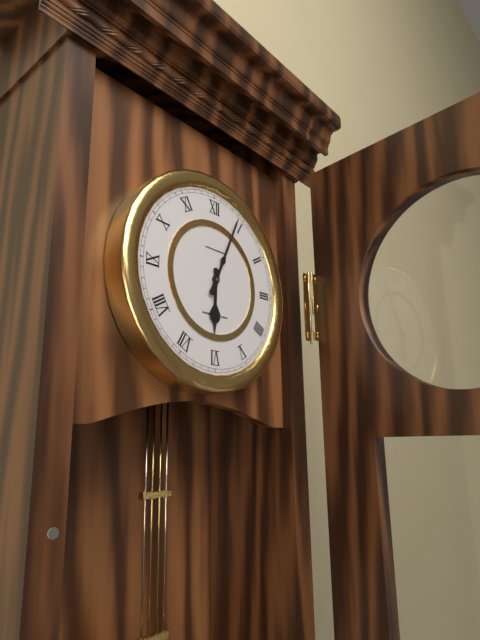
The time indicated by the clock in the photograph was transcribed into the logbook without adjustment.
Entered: 6:04
